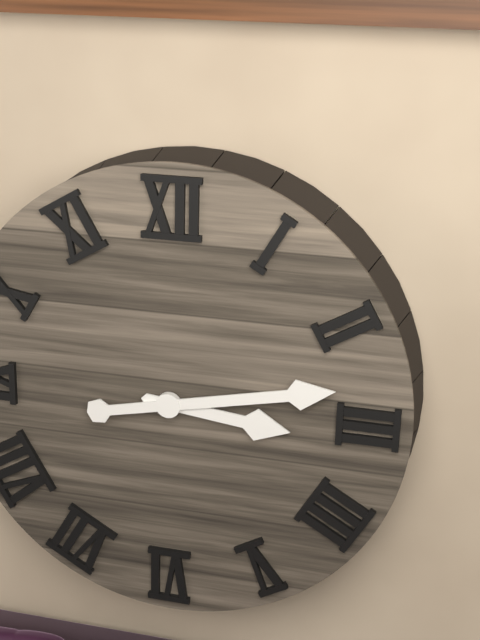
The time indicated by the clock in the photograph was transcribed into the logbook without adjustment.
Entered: 3:13
